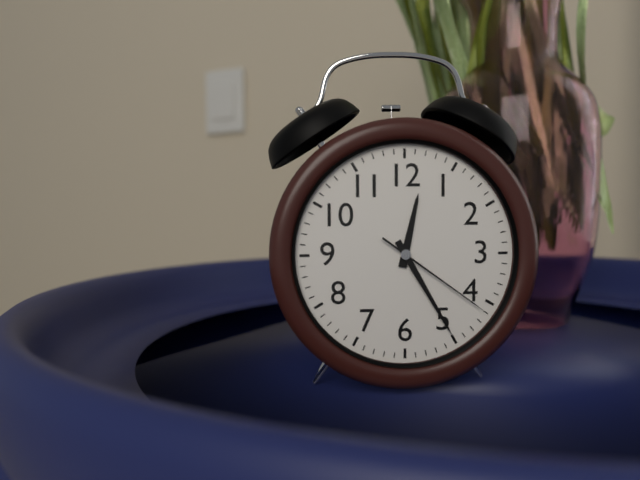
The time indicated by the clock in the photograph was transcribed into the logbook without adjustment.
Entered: 12:25:21
